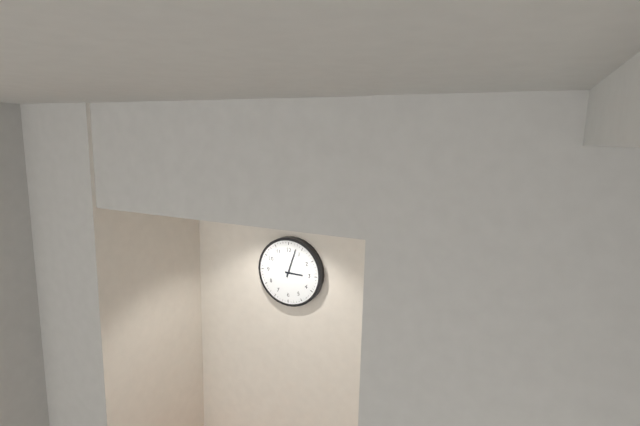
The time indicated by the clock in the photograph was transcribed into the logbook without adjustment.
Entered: 3:03
